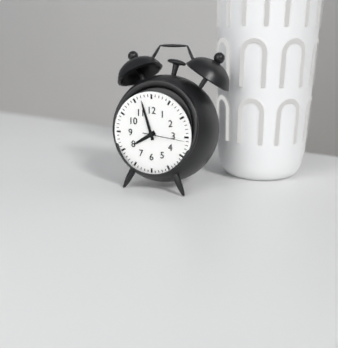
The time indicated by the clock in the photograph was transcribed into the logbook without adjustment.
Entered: 7:57
